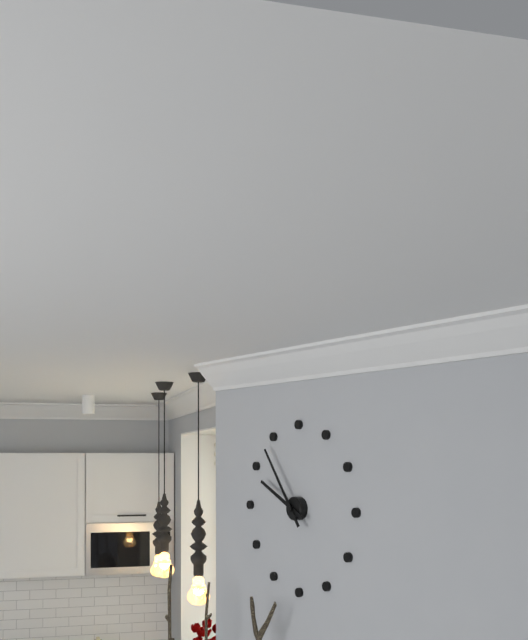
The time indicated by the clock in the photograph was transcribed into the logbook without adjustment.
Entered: 9:54
